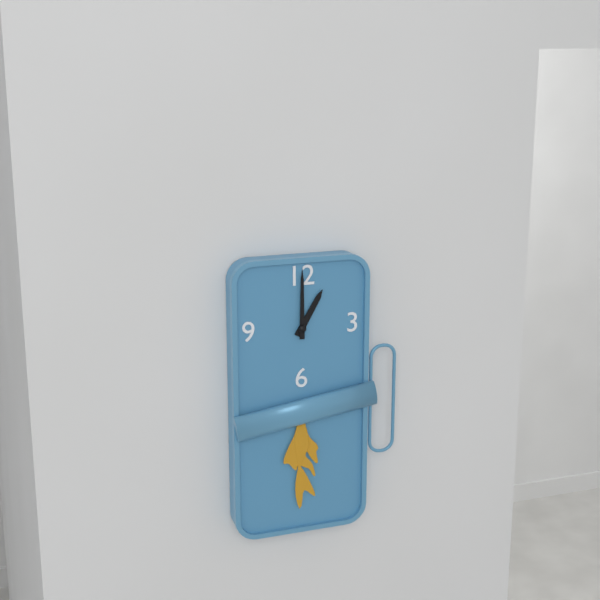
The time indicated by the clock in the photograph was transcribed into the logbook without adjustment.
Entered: 1:00
